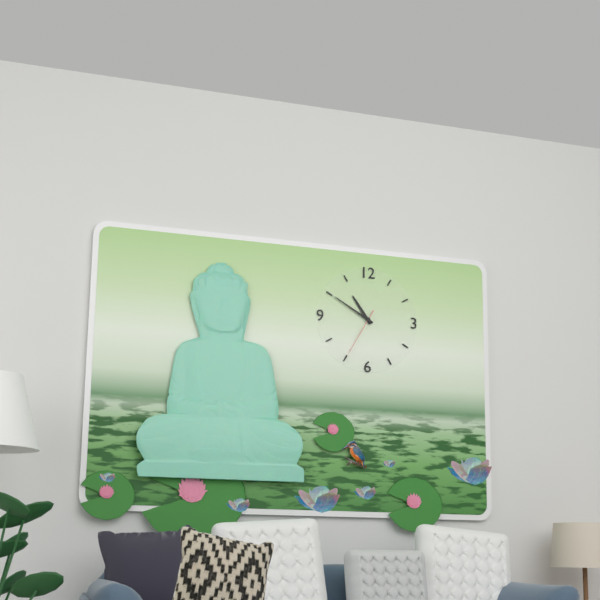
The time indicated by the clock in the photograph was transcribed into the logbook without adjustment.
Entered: 10:50:35
